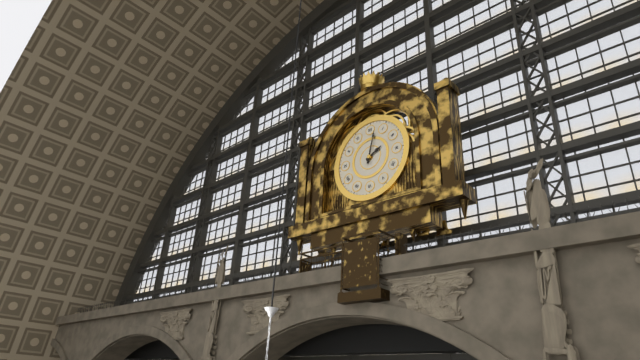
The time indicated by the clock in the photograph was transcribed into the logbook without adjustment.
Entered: 2:02
